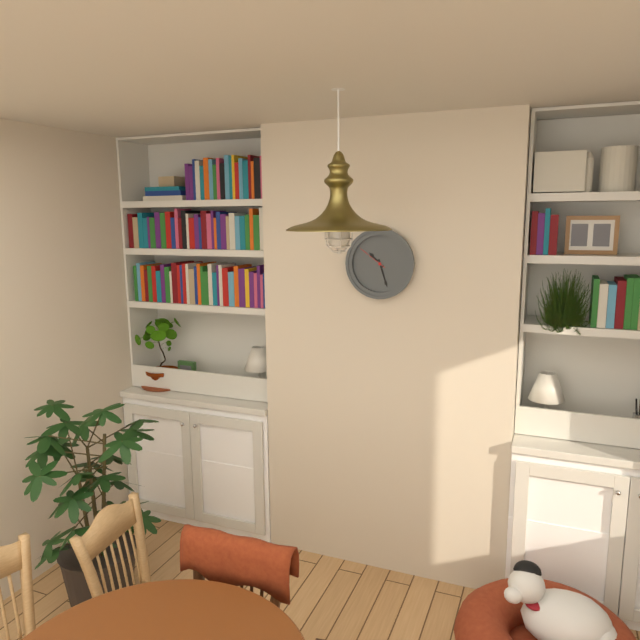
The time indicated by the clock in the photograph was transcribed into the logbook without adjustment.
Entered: 10:27
